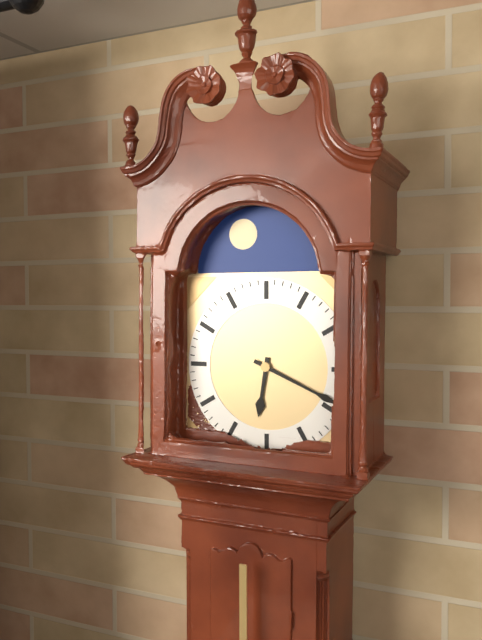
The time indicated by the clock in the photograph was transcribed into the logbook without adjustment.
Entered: 6:19
